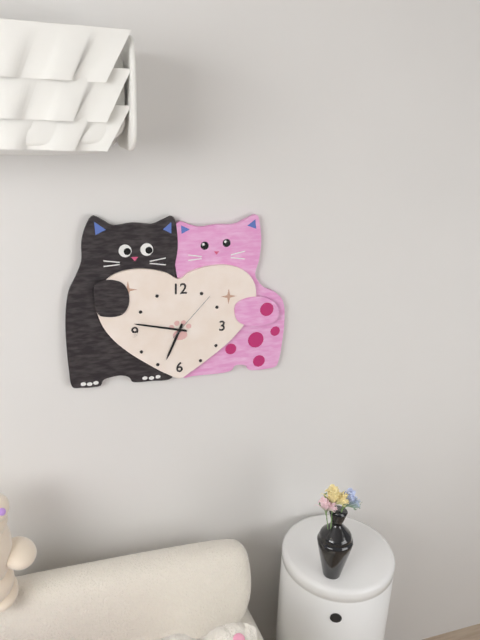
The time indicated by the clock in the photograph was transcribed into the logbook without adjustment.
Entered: 6:47:07
